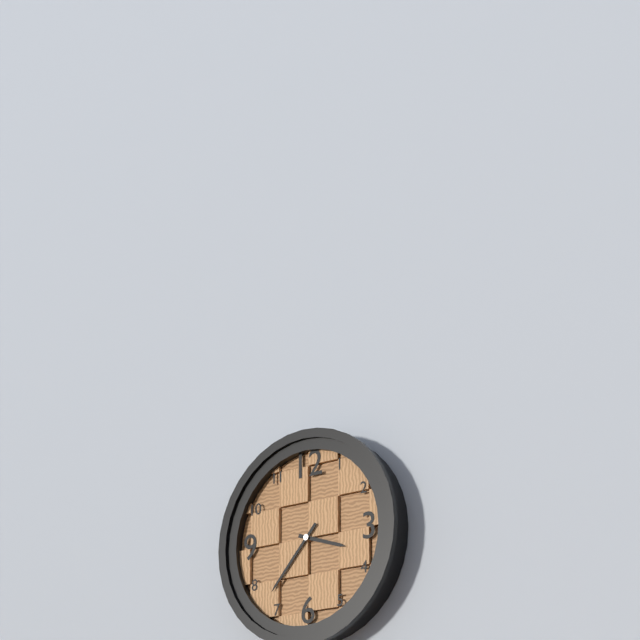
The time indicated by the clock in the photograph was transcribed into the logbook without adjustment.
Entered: 3:37
